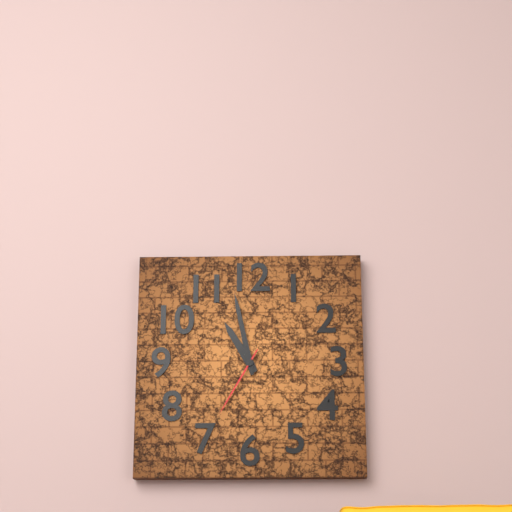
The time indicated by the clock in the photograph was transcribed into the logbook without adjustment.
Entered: 10:58:35
